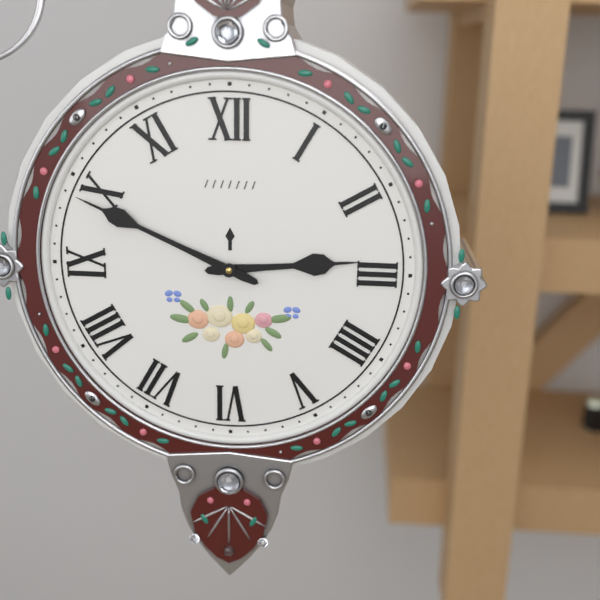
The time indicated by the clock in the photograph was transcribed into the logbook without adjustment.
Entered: 2:49
